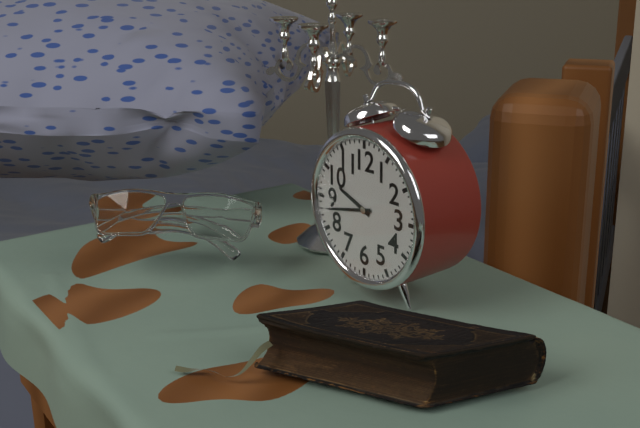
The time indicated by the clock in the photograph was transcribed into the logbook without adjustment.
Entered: 9:43
